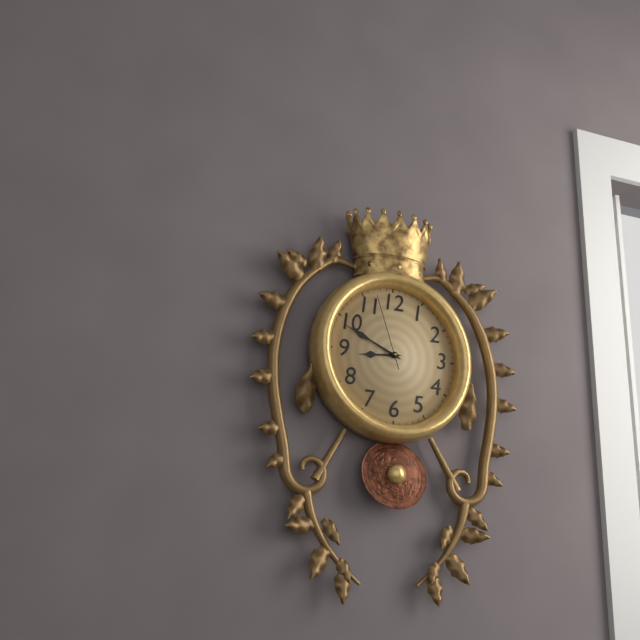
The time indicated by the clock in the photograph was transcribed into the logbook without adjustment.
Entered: 8:49:57
